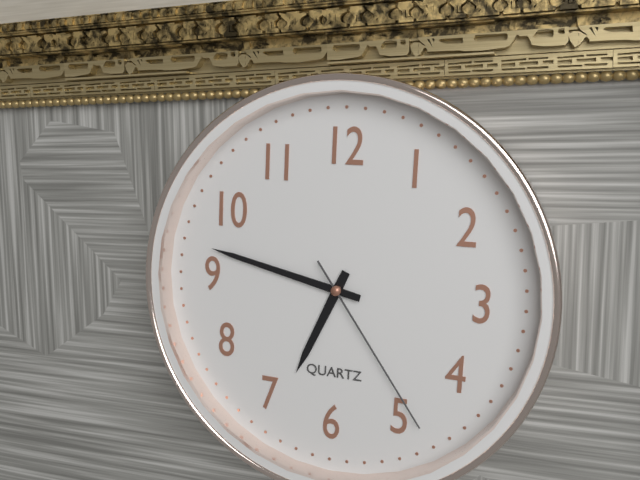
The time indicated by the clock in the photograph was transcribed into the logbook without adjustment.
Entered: 6:47:24
